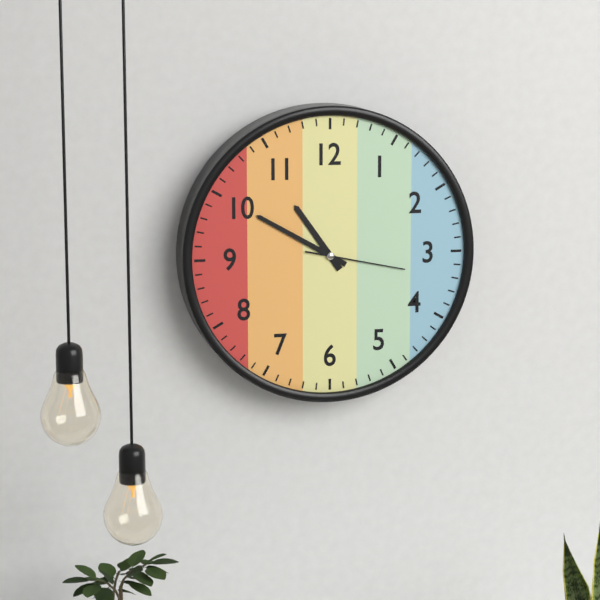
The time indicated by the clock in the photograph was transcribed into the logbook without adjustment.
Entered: 10:50:17
